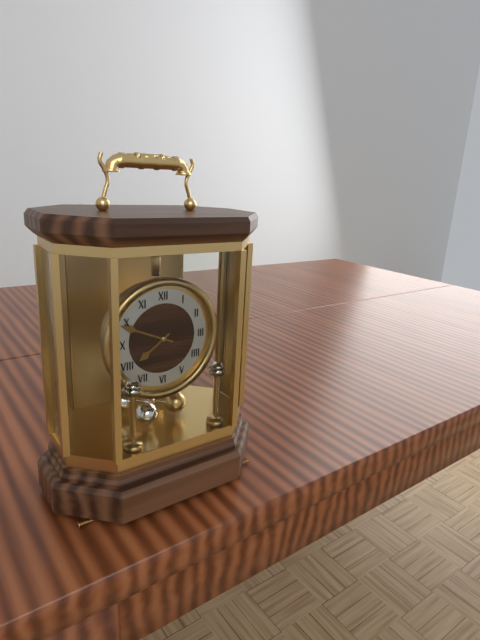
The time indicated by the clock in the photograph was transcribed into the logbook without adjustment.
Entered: 7:49
